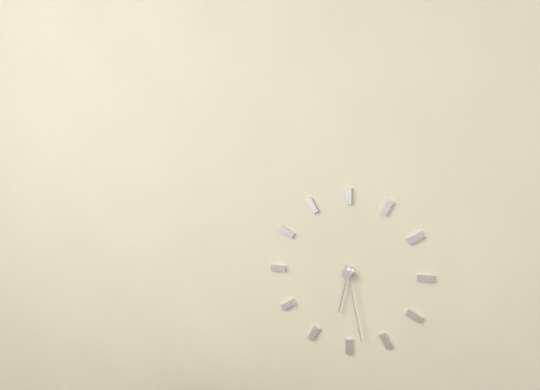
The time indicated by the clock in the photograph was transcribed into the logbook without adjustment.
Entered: 6:28
